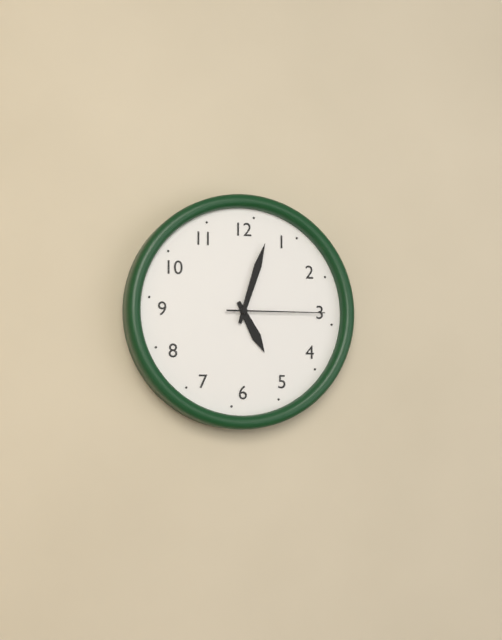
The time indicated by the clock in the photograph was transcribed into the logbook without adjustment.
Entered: 5:03:15
